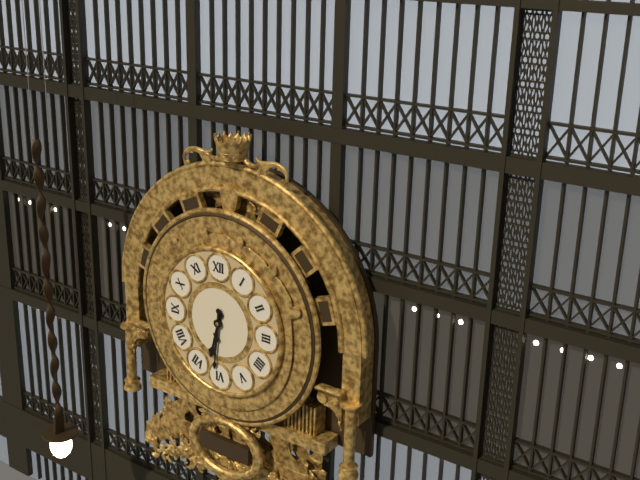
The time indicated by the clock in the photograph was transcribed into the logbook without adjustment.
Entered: 6:31
